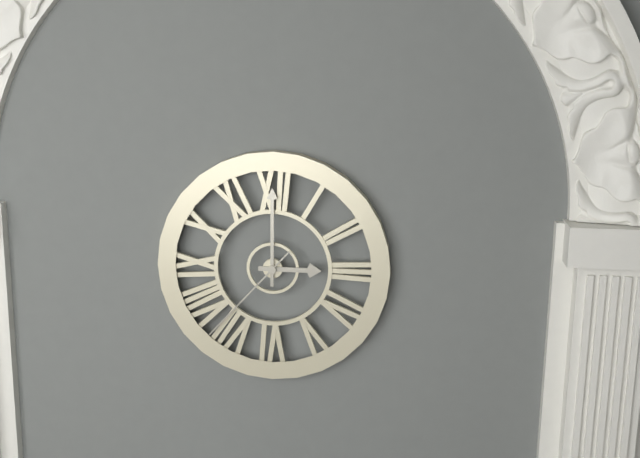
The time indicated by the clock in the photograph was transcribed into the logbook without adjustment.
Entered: 3:00:37
